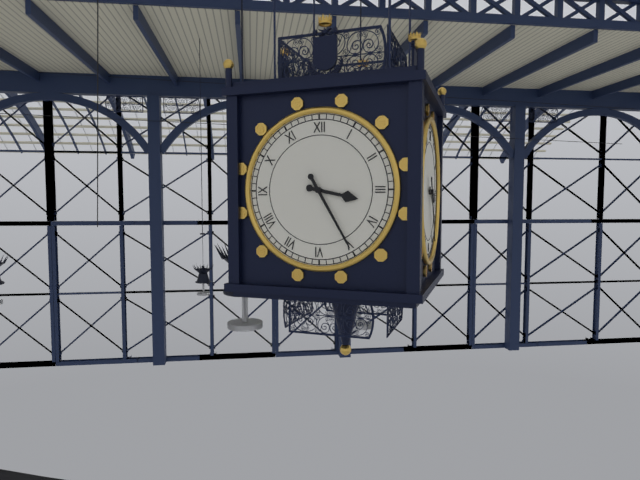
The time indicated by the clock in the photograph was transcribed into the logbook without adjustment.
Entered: 3:25
